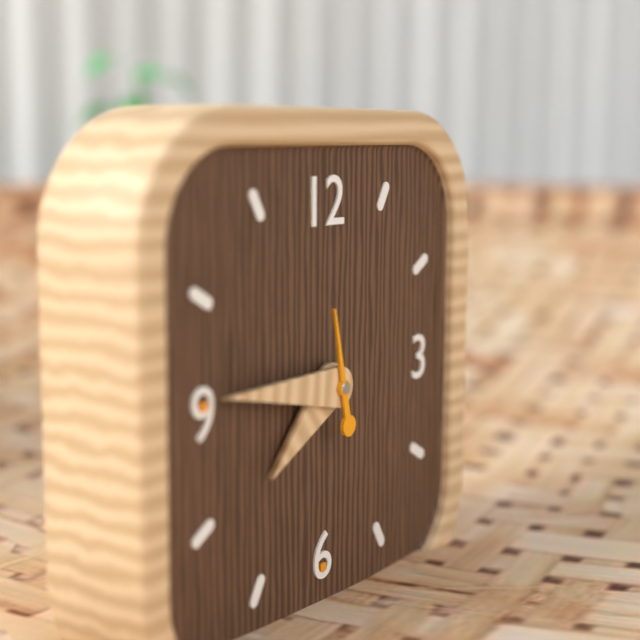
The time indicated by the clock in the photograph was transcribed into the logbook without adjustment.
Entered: 7:46:58
